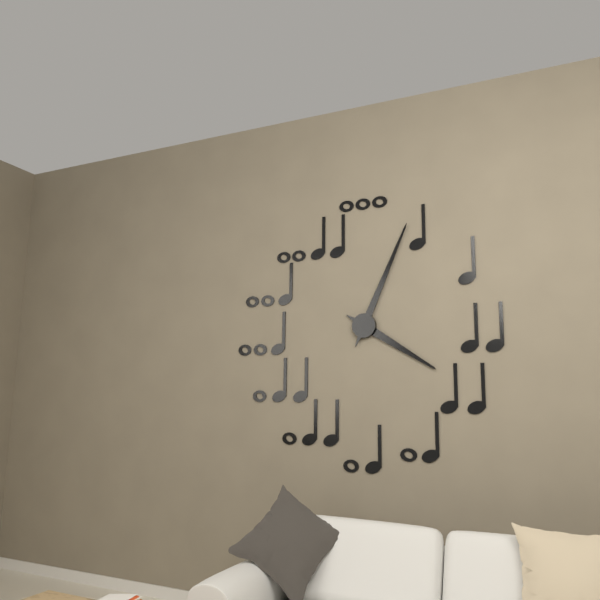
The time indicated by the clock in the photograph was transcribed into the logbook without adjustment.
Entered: 4:04
